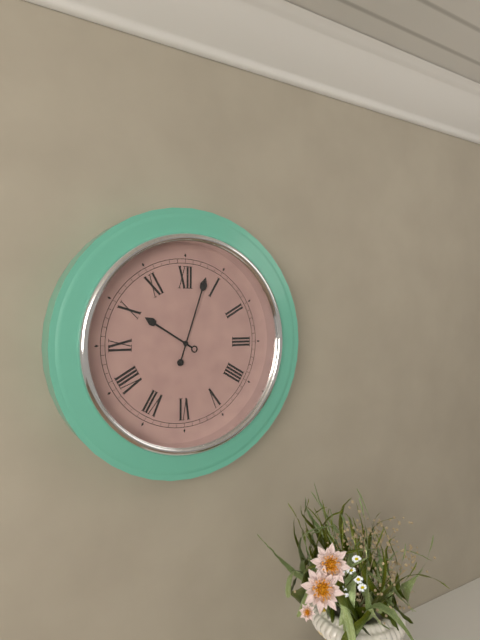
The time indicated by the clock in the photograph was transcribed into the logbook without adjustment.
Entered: 10:03
